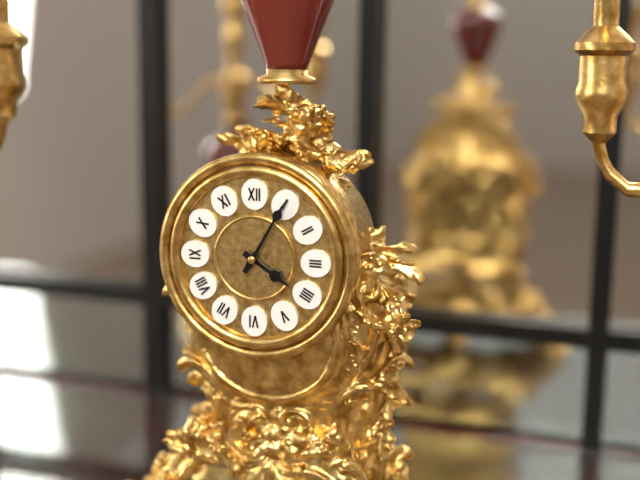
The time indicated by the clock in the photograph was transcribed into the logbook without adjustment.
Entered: 4:05
